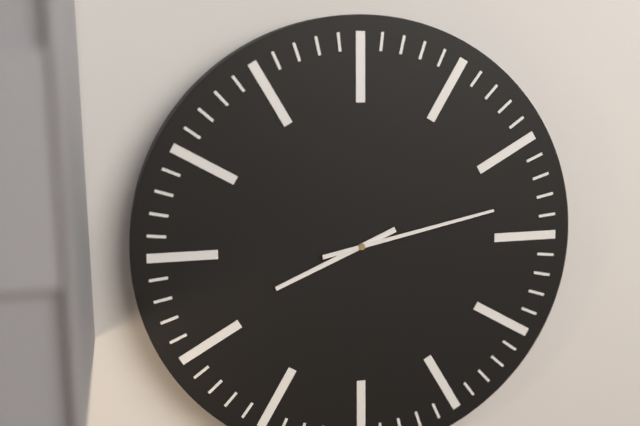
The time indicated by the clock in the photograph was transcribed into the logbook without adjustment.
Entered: 8:13
